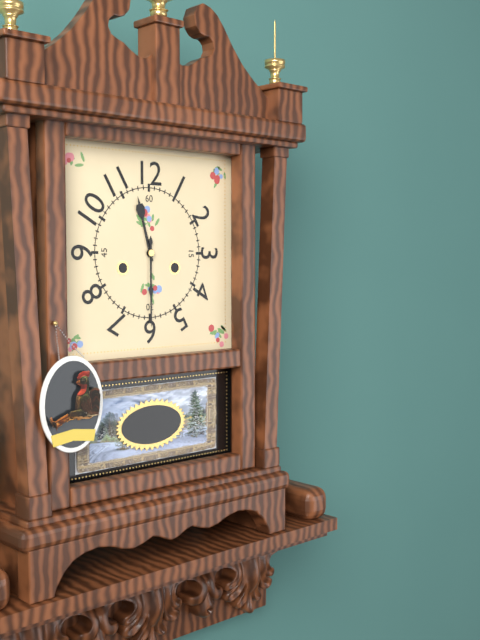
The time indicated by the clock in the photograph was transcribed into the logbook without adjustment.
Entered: 11:30
